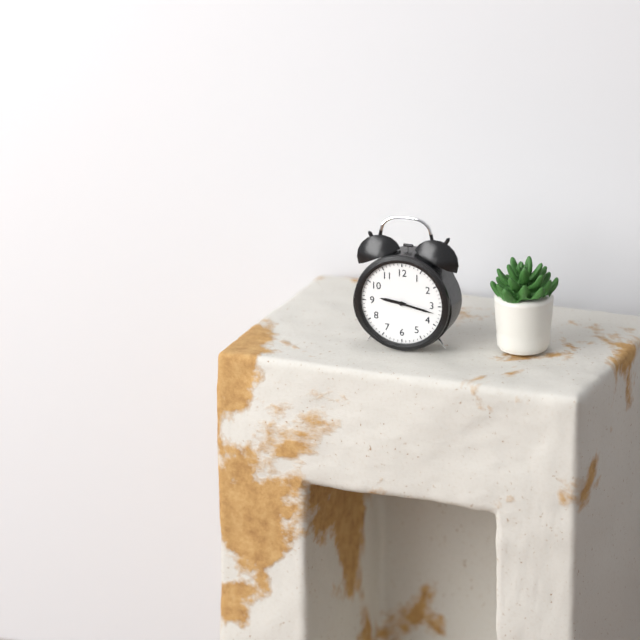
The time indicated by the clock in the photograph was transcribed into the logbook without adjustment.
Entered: 9:17
